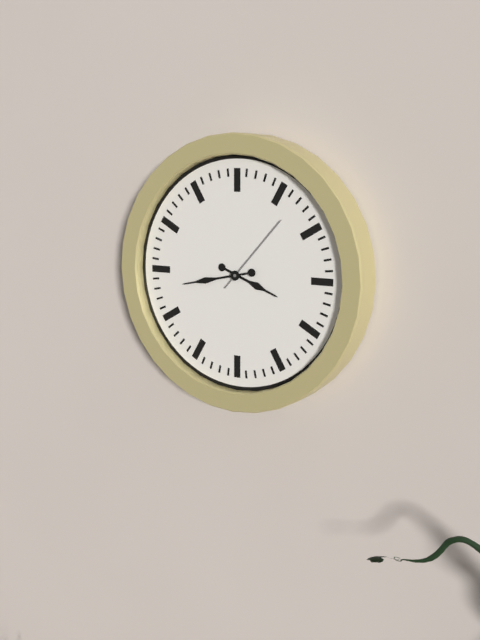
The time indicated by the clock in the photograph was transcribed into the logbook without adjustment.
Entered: 3:43:07
